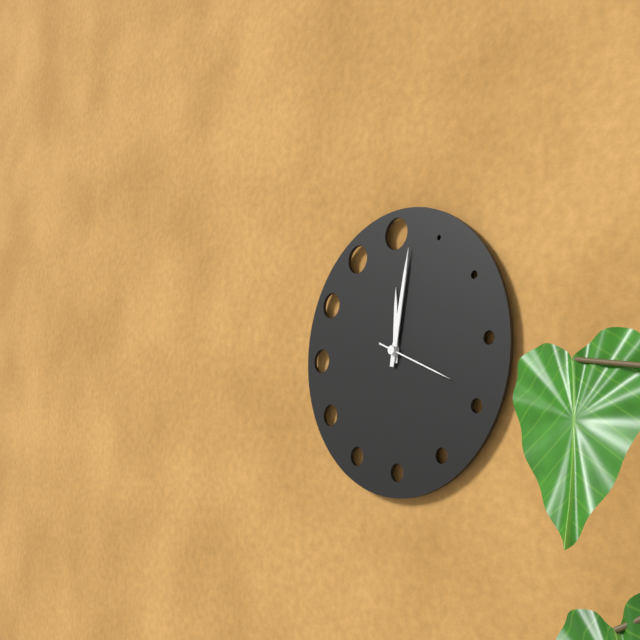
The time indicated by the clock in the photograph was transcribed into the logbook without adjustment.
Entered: 12:02:19
